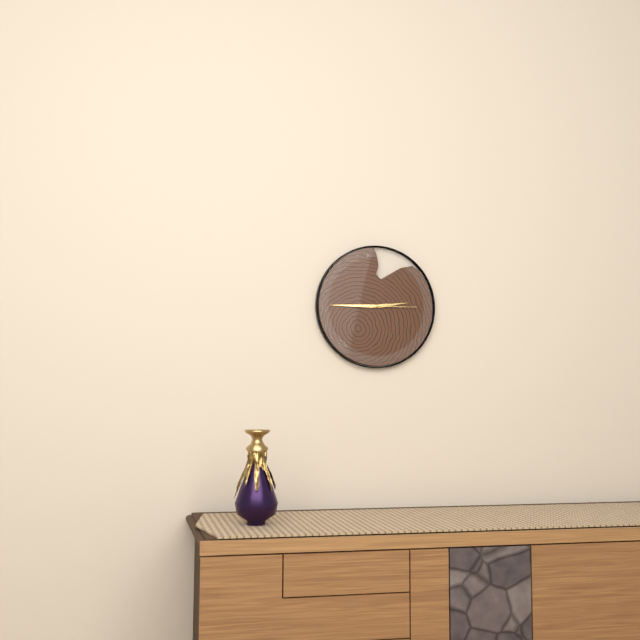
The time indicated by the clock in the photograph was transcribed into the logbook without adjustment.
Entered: 2:45
